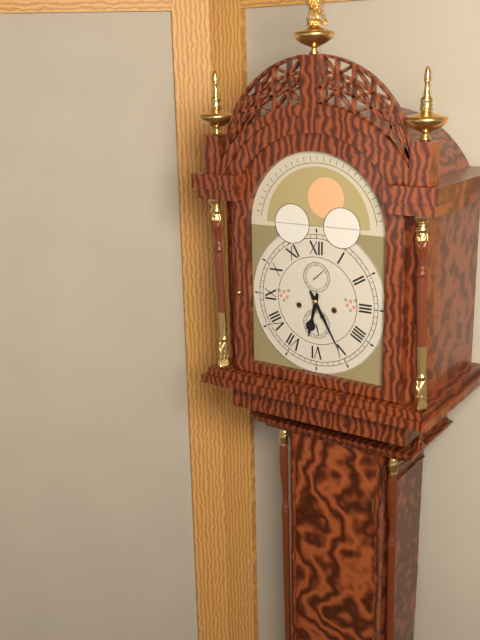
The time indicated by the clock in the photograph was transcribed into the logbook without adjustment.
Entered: 6:25
